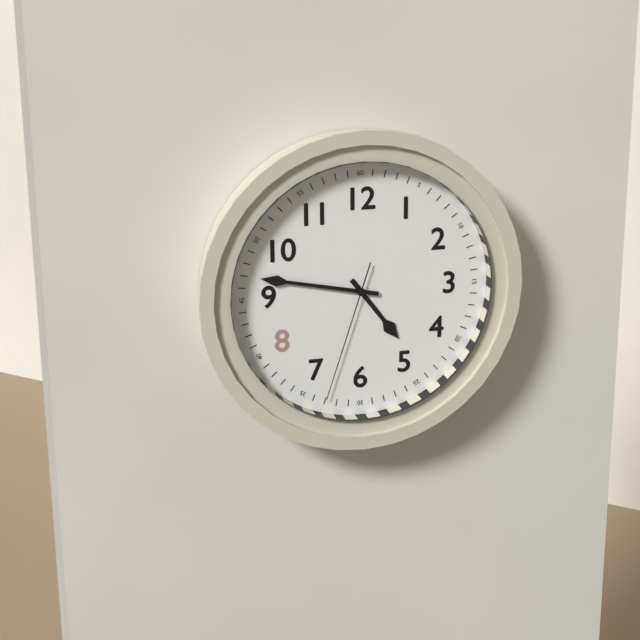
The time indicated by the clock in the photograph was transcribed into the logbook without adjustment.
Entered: 4:47:33
